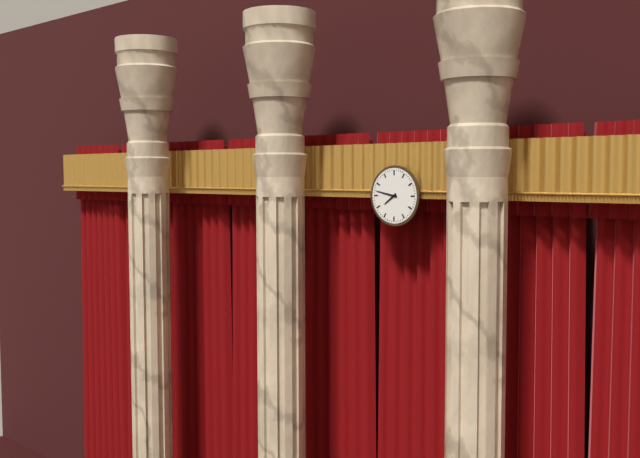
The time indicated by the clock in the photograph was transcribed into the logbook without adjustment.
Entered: 7:47
